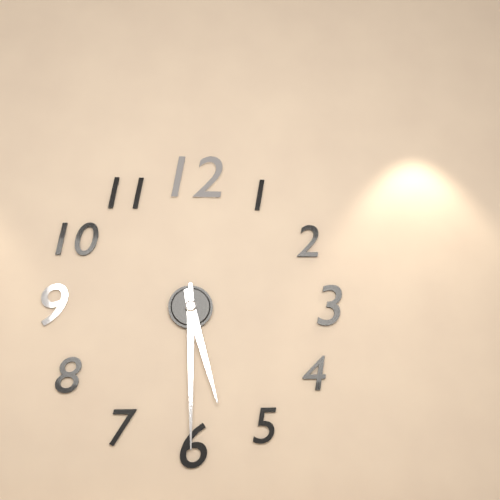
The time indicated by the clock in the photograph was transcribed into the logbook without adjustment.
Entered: 5:30
